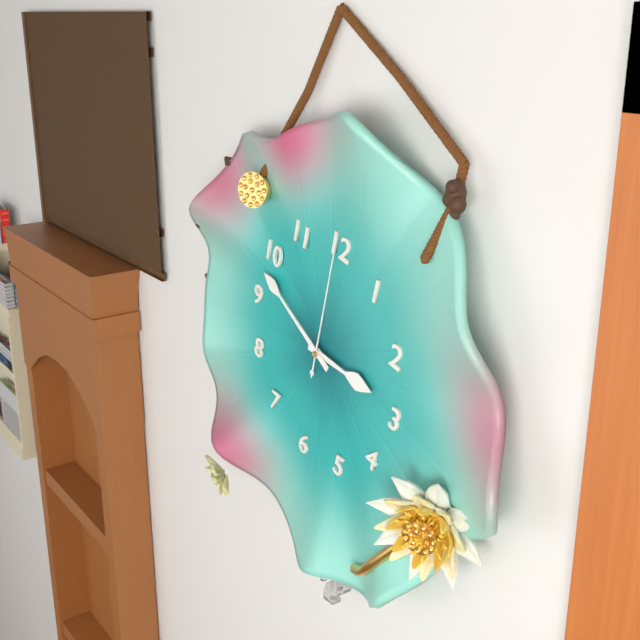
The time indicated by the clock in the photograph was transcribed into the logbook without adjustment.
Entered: 2:48:00
